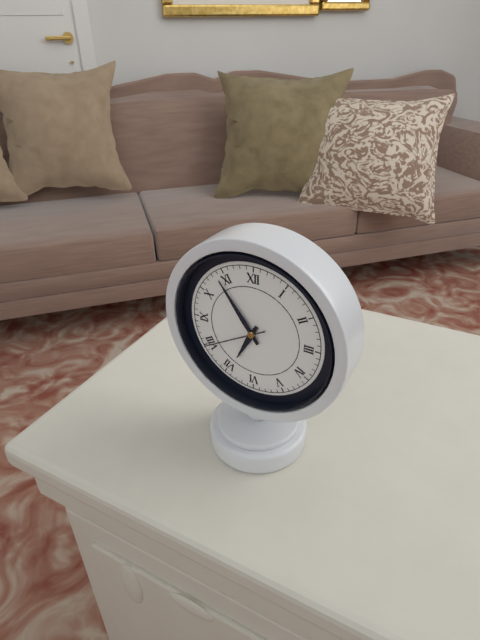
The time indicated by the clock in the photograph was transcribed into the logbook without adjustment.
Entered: 6:54:40
